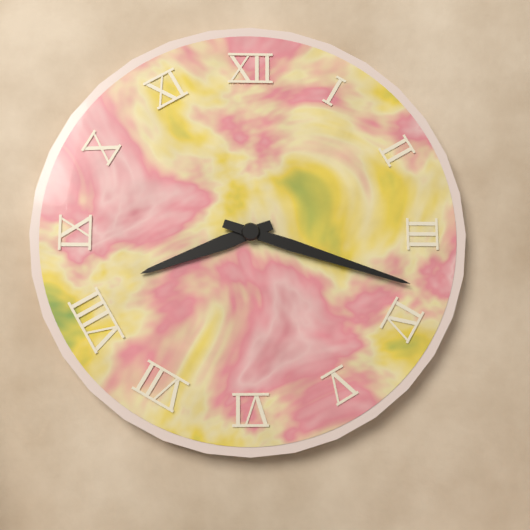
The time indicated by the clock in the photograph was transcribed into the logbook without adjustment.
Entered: 8:18
